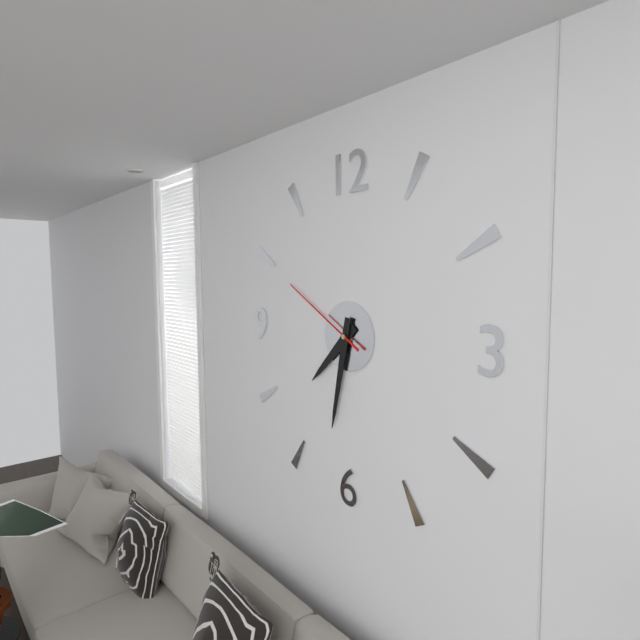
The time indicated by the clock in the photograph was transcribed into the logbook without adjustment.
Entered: 7:32:50
